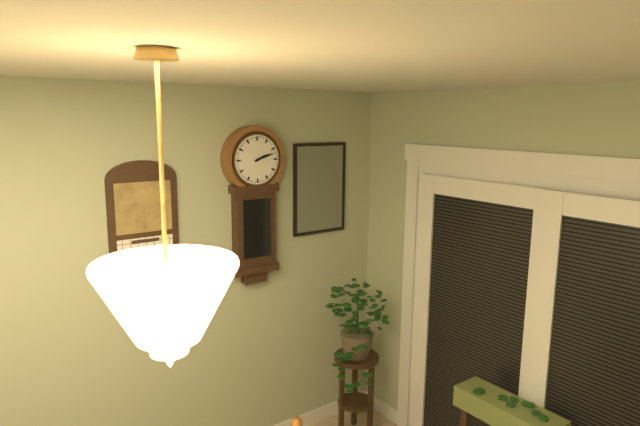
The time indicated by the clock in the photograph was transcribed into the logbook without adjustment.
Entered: 2:12
